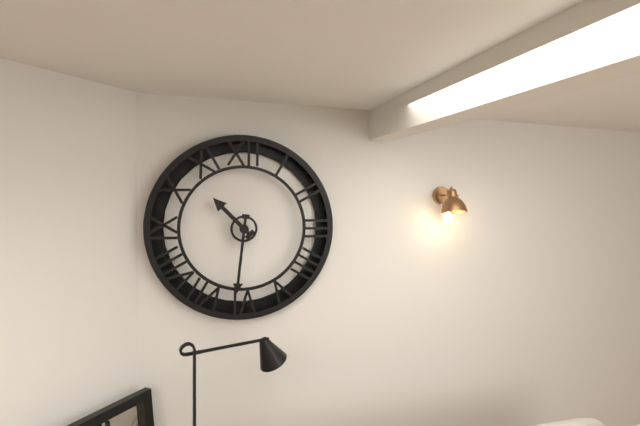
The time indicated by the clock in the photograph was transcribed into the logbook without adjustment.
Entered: 10:31
